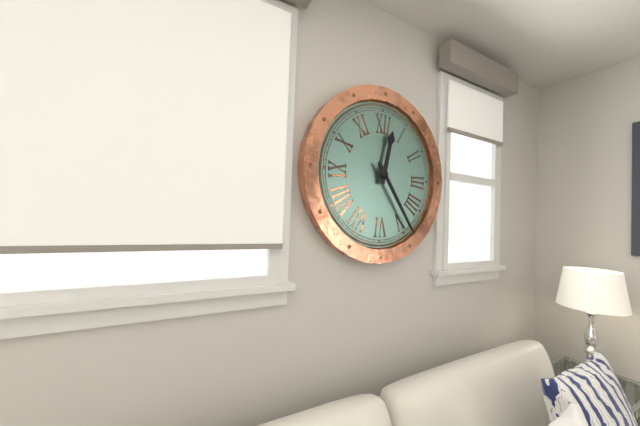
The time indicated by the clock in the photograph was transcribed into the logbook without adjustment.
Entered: 12:24
